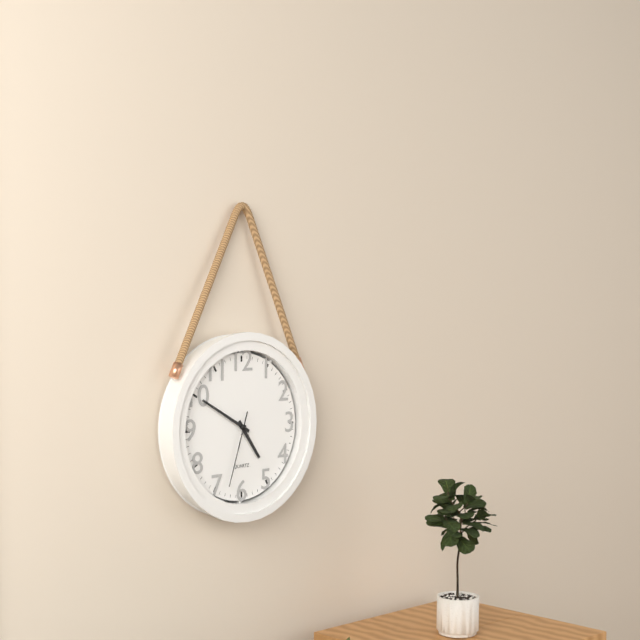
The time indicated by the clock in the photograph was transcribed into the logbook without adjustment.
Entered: 4:50:33
